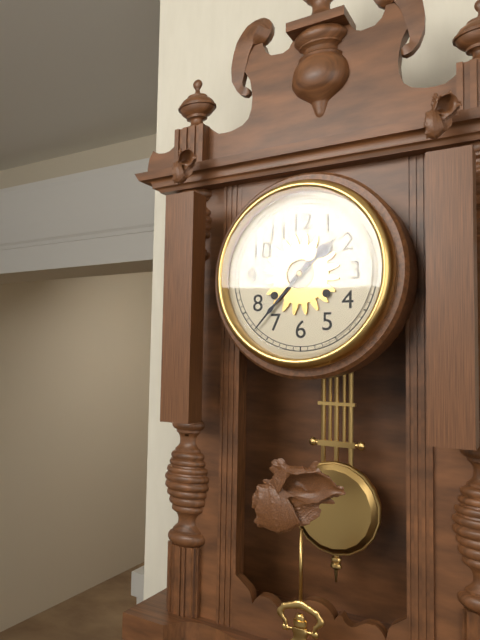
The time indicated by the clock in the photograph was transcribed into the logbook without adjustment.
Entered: 1:37
